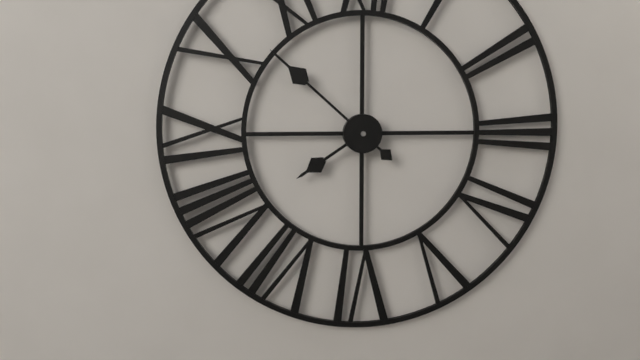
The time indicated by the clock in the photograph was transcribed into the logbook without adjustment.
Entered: 7:52
